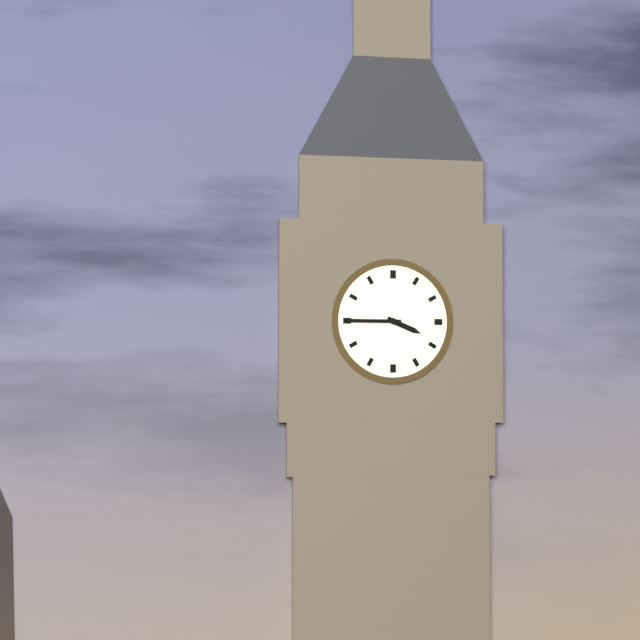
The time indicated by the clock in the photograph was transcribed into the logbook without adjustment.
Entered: 3:45
